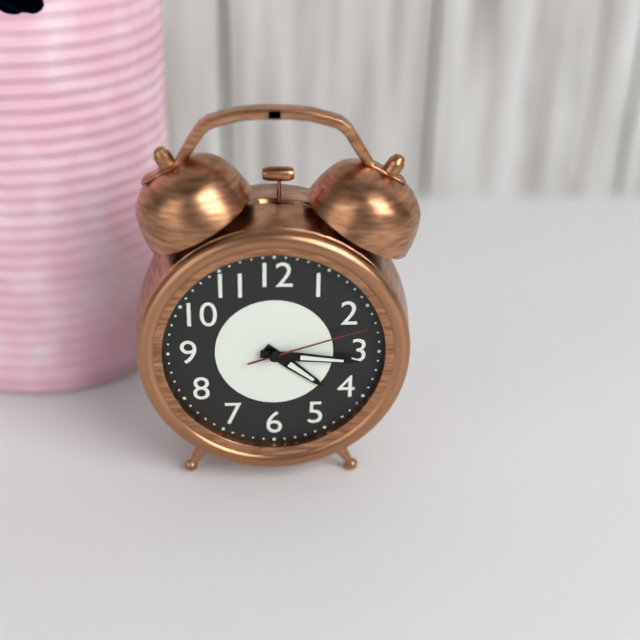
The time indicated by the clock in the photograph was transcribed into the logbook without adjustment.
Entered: 4:16:12
